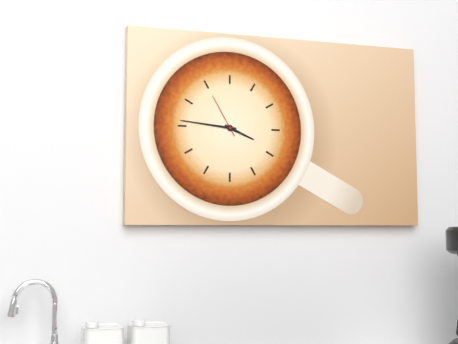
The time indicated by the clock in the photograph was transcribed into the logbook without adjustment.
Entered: 3:46
